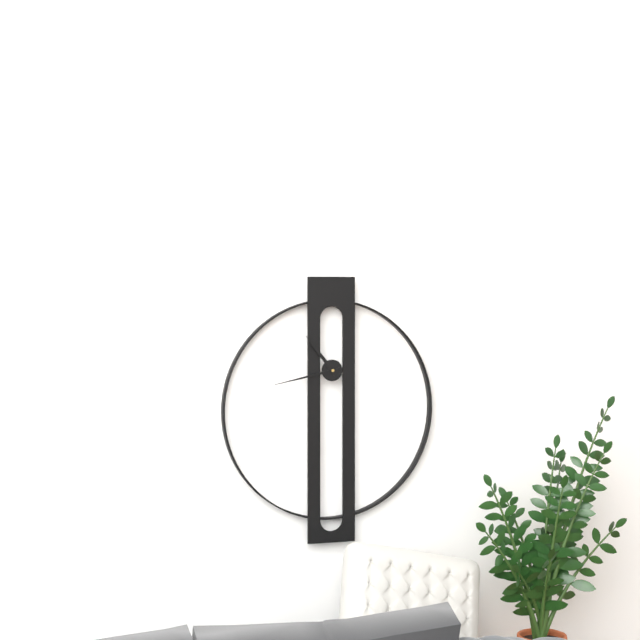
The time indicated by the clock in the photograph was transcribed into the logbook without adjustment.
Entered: 10:43
